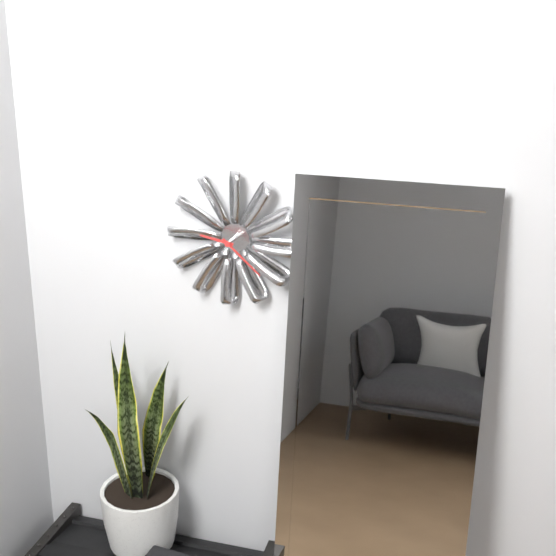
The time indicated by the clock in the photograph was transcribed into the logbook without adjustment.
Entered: 9:22
